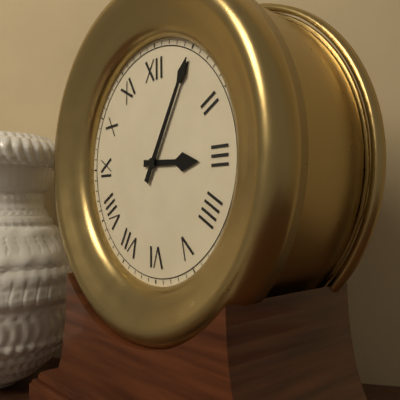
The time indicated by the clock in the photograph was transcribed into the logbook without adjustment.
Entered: 3:05
